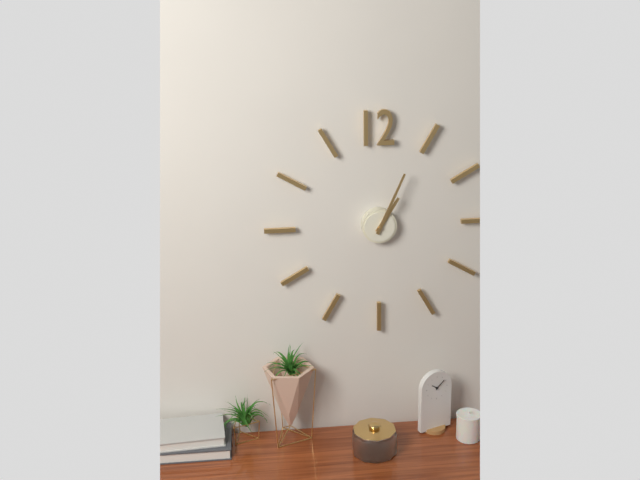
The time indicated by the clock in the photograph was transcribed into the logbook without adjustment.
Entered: 1:04
